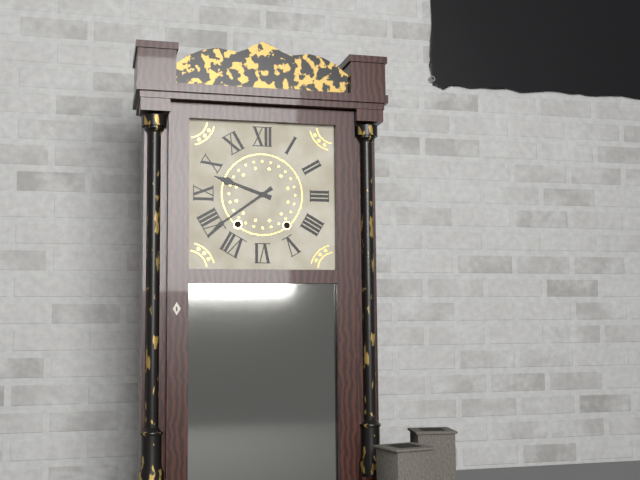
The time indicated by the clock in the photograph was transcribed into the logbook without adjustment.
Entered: 9:39
